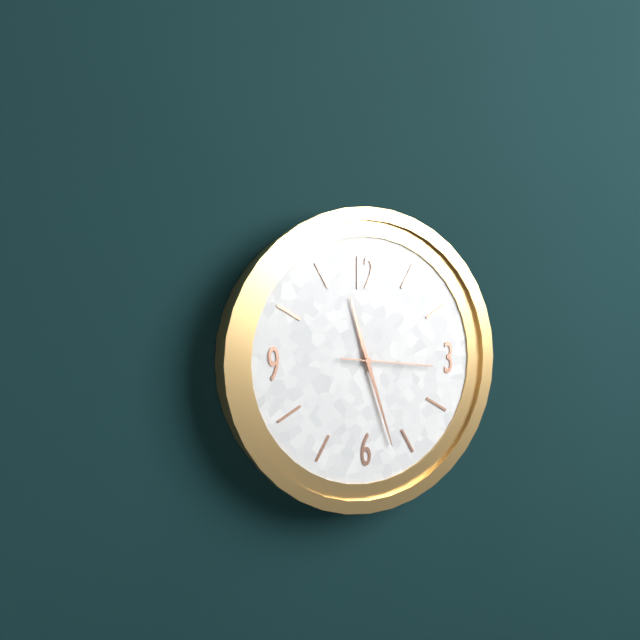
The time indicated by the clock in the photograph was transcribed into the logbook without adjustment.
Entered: 11:27:16
